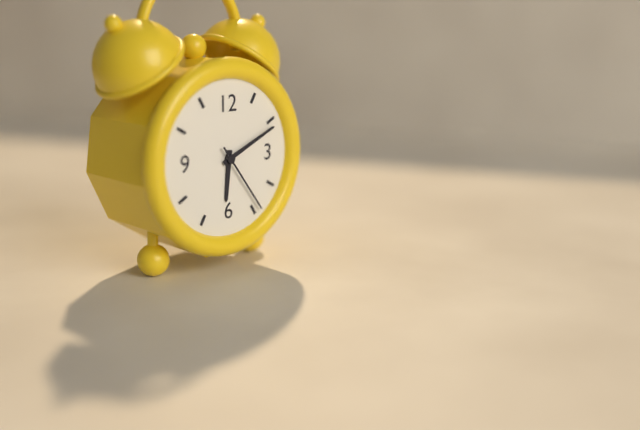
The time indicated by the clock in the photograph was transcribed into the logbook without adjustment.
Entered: 6:11:24
